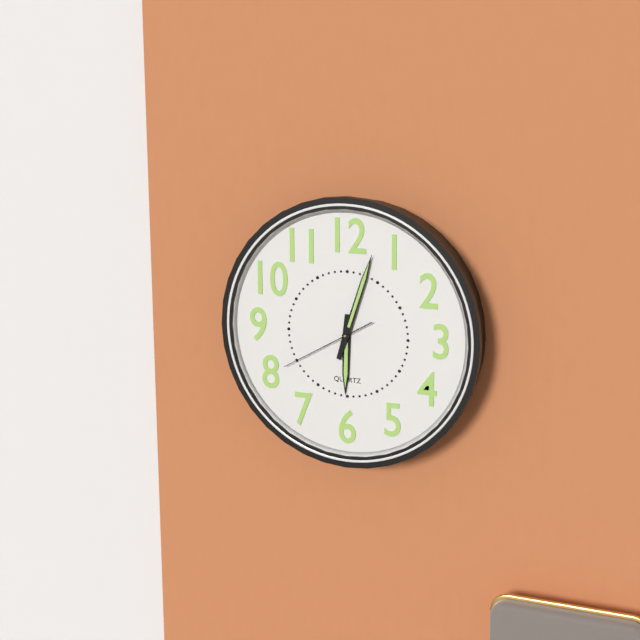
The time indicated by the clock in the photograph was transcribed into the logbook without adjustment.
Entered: 6:03:40
